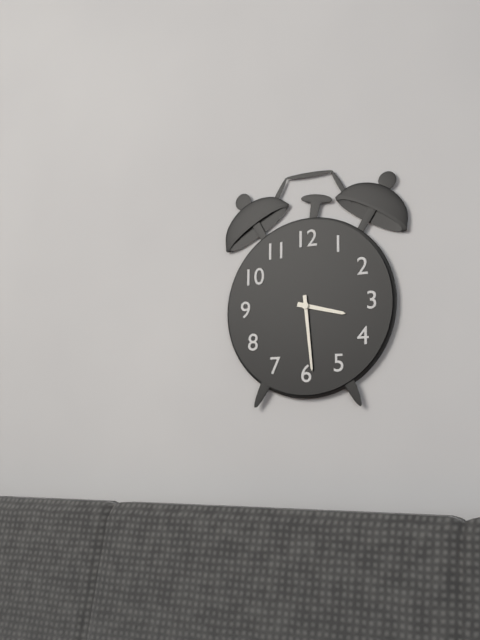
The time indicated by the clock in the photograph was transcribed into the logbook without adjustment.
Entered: 3:29
